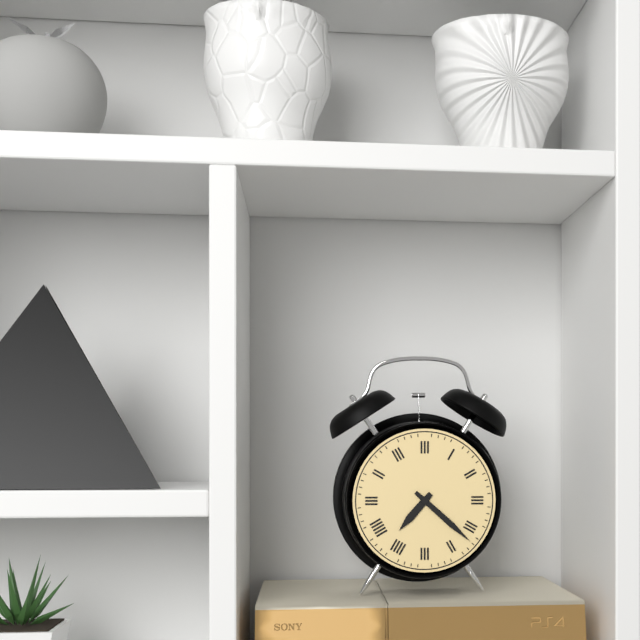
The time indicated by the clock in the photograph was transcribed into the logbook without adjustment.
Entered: 7:22
